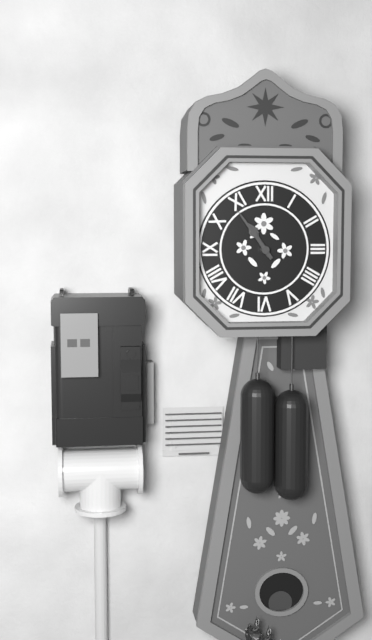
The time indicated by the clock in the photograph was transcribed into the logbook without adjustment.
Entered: 10:54
